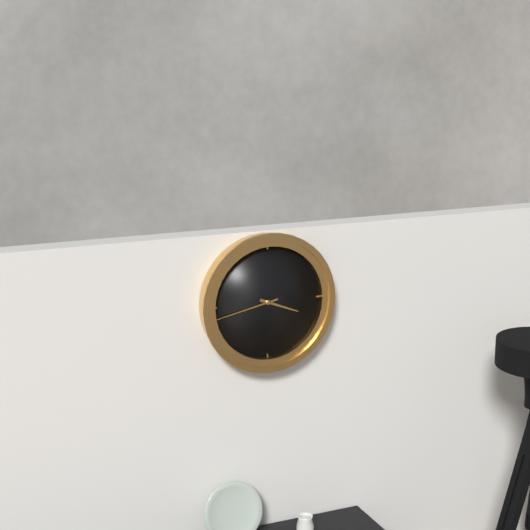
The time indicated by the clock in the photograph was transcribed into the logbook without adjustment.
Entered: 3:43
